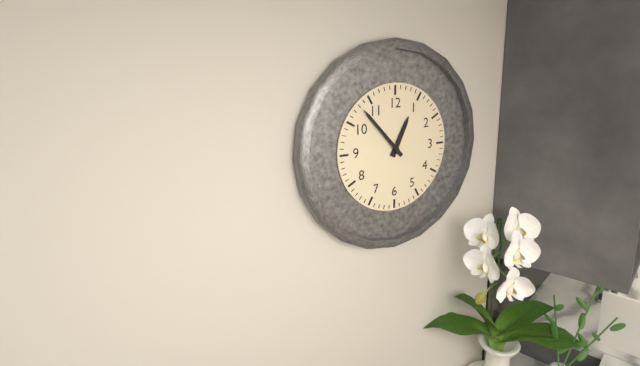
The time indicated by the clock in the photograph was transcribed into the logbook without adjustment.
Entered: 12:53
